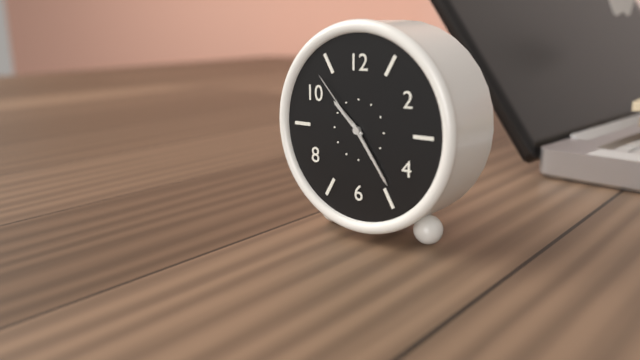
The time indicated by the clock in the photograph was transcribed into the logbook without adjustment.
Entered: 10:24:53
